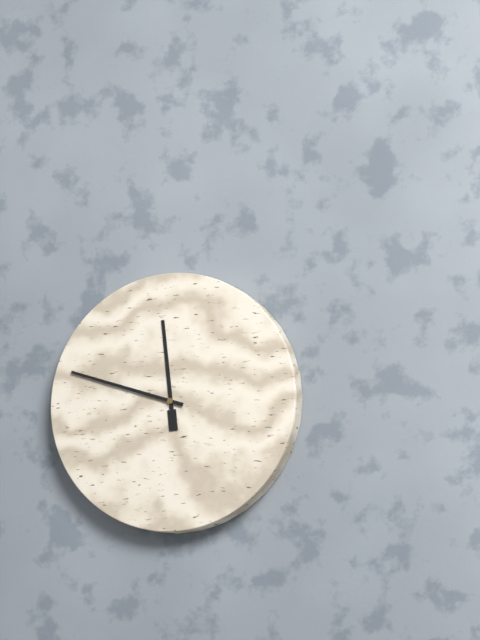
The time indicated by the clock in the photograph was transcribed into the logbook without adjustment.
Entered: 11:48
